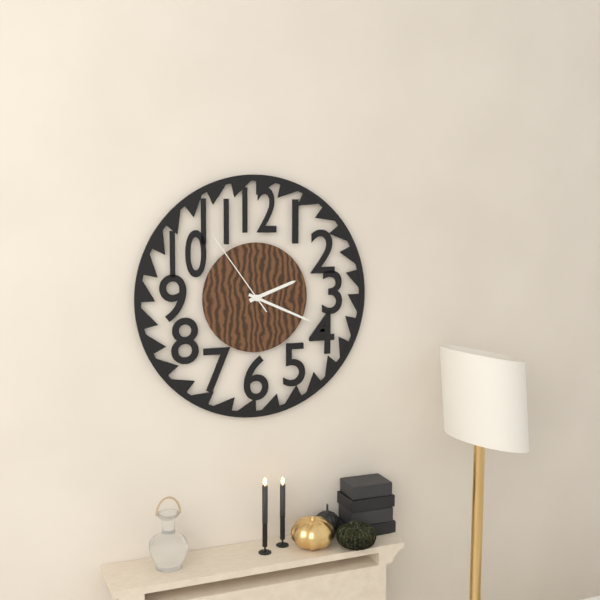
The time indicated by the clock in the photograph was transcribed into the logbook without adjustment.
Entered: 2:19:54
